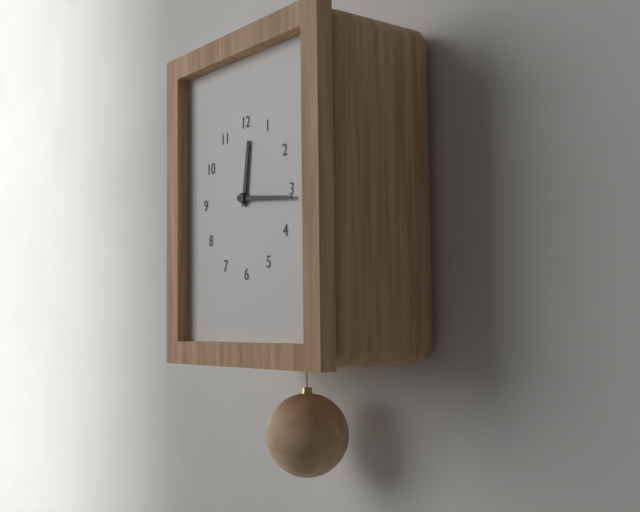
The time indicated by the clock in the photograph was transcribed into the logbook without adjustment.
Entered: 12:16
